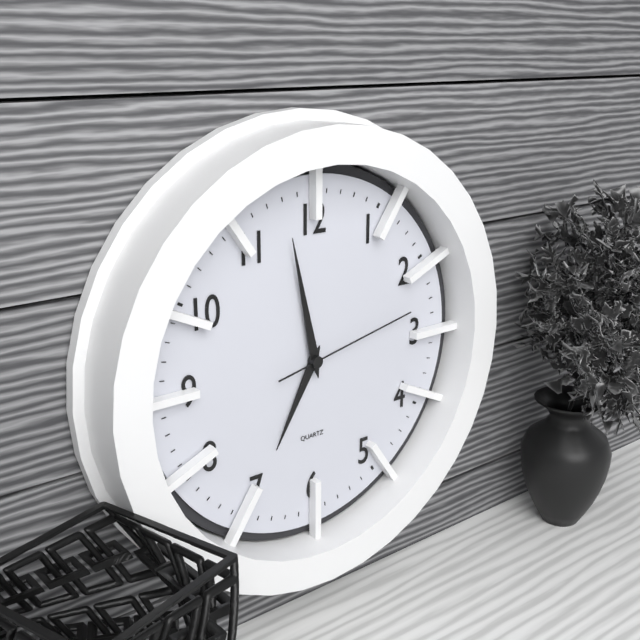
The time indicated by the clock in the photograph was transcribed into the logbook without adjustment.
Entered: 6:58:13
